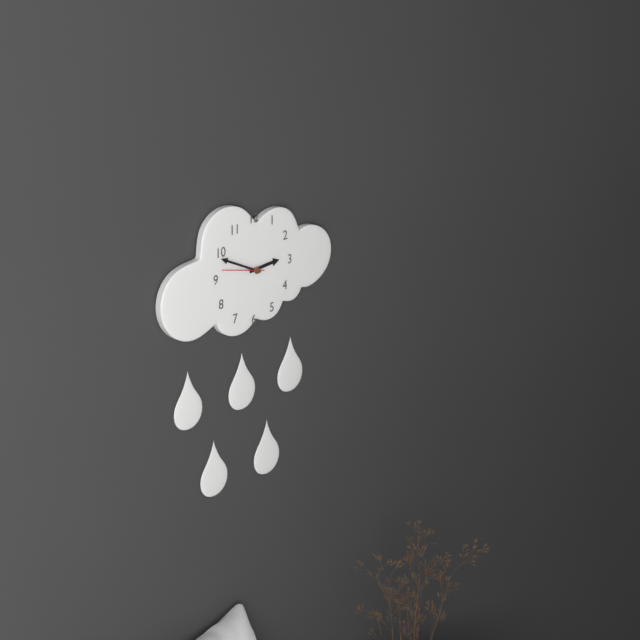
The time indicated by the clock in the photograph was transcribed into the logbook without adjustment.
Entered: 2:49
